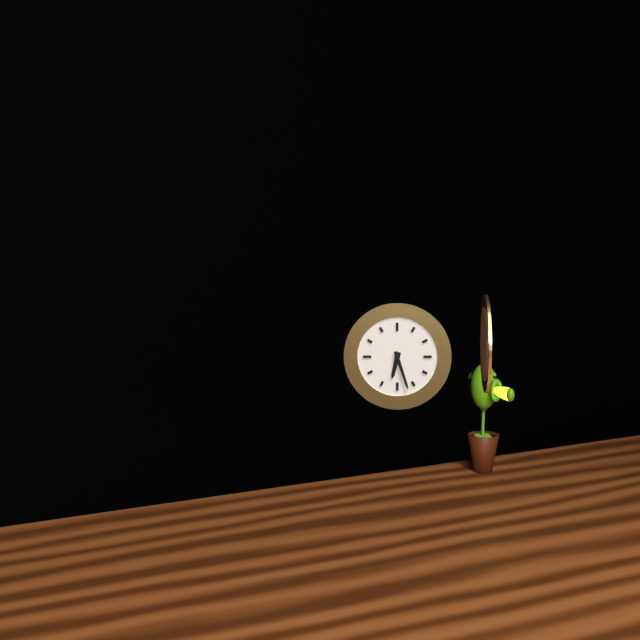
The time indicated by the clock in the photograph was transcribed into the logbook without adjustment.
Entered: 6:27
